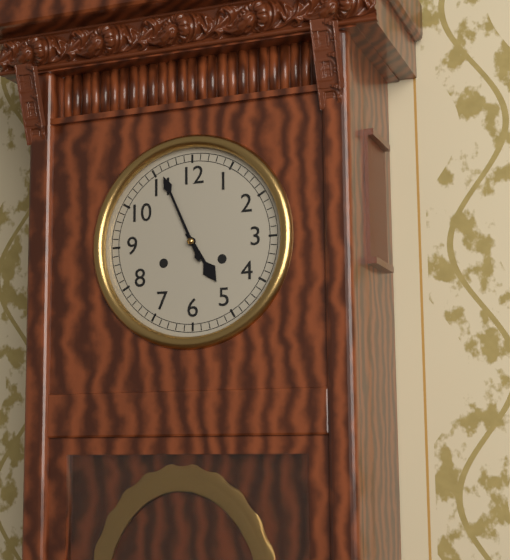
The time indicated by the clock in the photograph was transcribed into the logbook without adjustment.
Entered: 4:56
